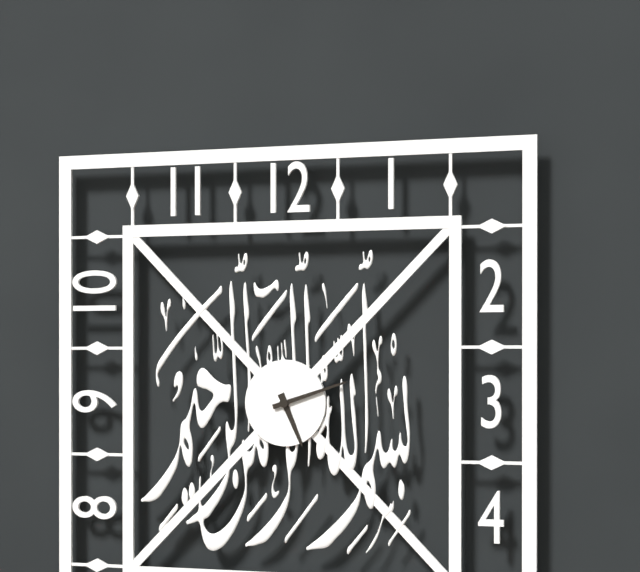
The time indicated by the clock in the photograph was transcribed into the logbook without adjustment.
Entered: 5:12
